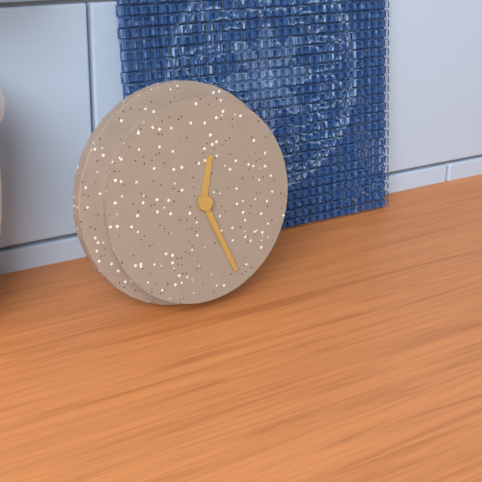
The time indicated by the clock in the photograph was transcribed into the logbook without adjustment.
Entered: 12:26
